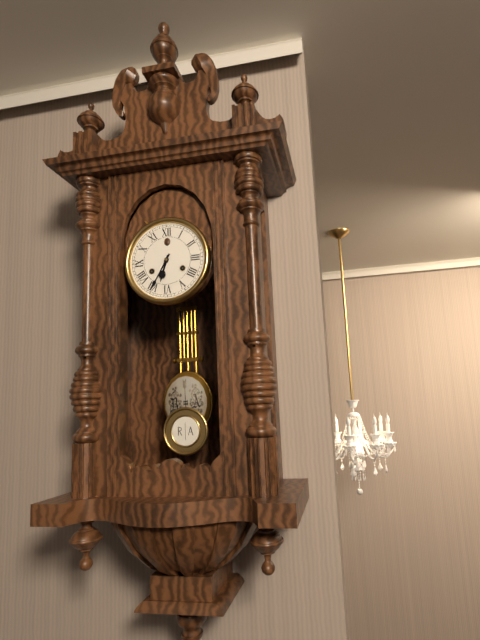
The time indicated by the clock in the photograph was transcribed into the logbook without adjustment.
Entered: 6:35
